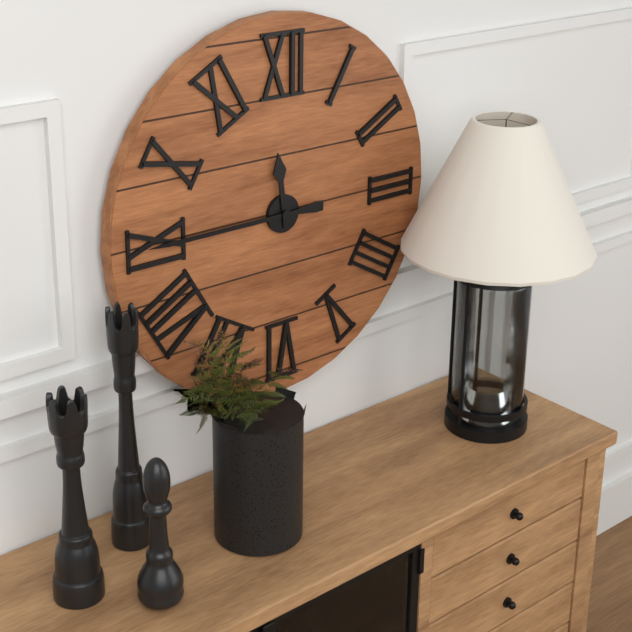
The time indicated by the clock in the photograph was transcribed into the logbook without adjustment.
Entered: 11:45
